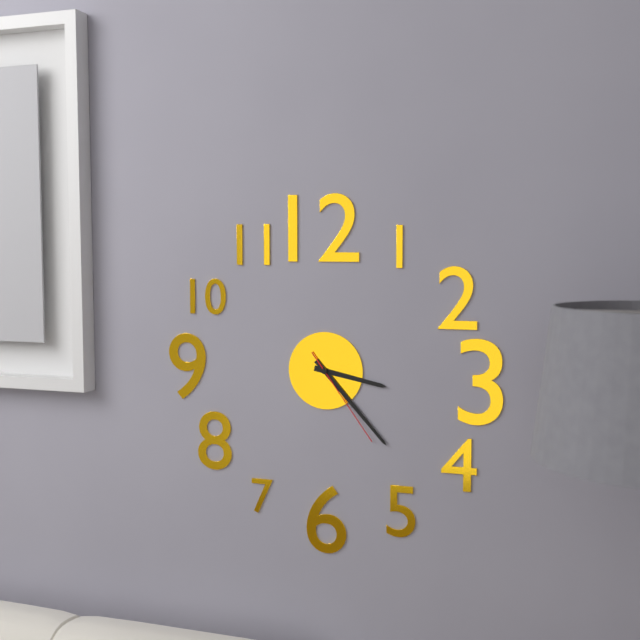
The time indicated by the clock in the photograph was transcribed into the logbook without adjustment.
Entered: 3:23:24
